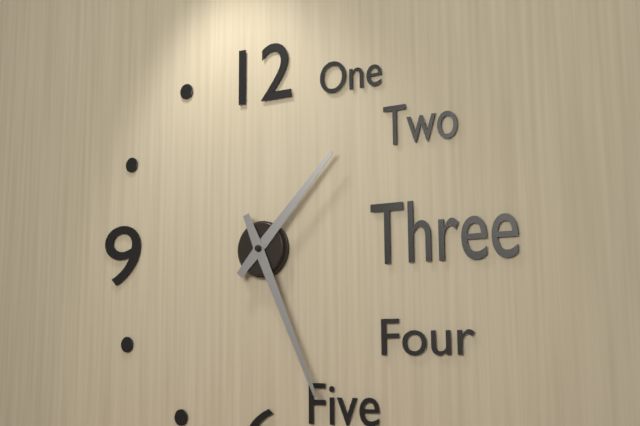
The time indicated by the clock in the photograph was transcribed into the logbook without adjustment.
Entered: 1:26
